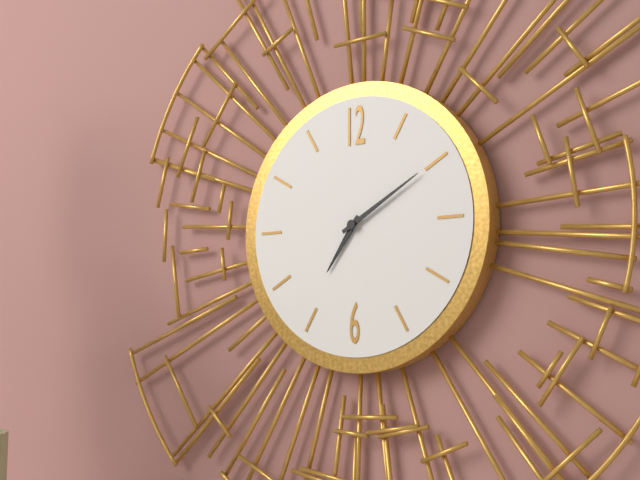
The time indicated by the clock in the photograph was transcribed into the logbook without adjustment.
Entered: 7:10
